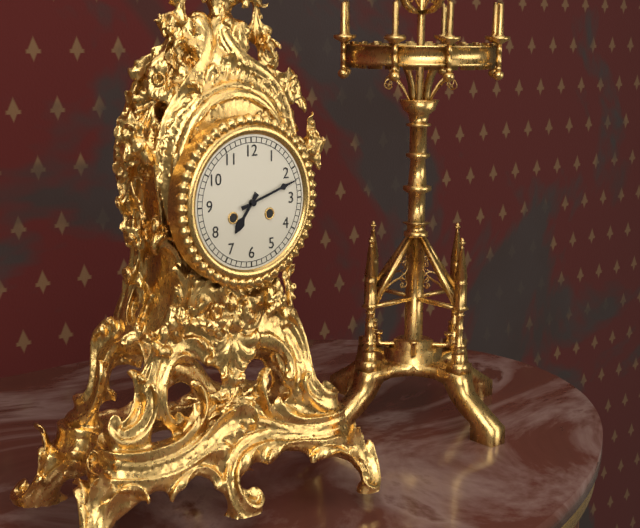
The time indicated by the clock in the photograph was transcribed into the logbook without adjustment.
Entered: 7:12
